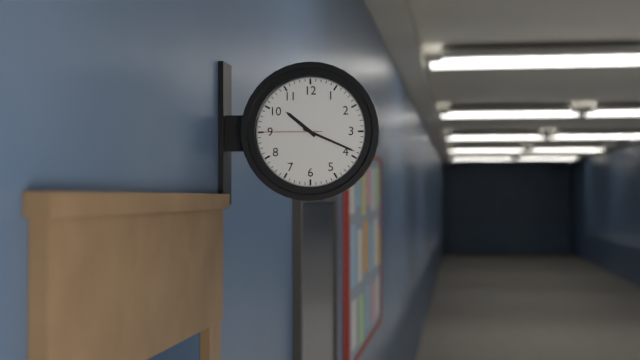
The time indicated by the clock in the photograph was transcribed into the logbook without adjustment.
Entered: 10:19:45
